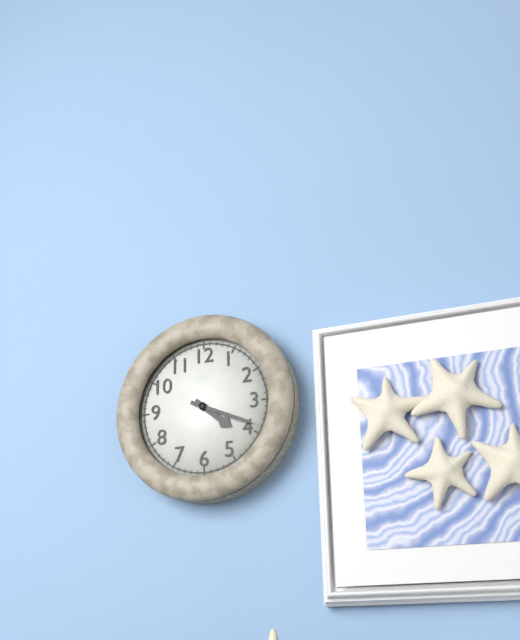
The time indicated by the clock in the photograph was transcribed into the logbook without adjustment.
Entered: 4:19
